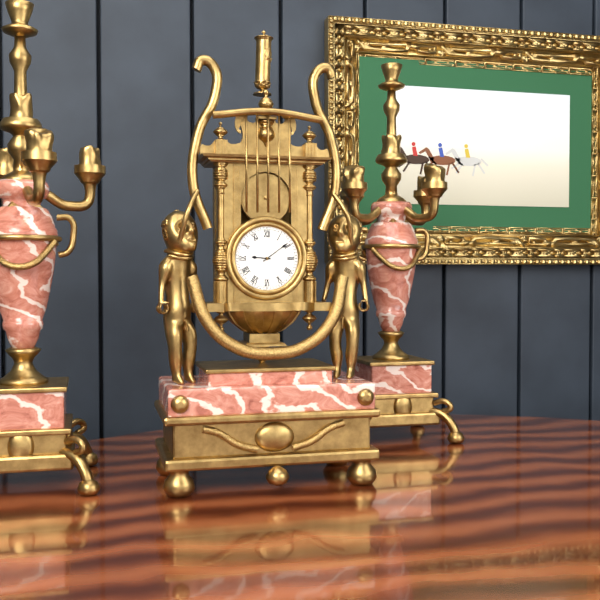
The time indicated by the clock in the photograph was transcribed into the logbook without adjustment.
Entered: 9:09
